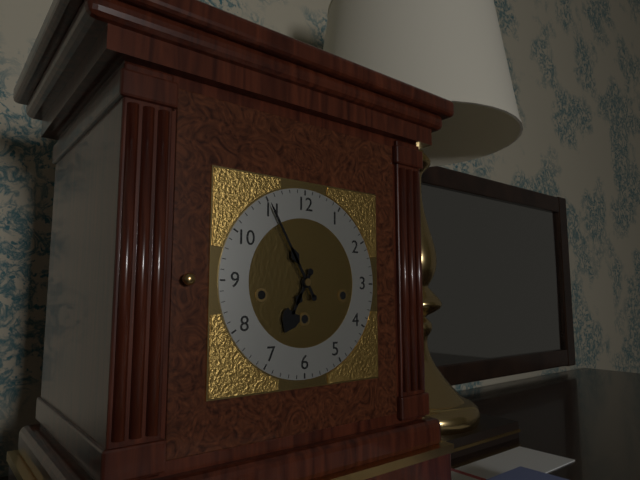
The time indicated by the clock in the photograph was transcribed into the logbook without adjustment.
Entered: 6:55
